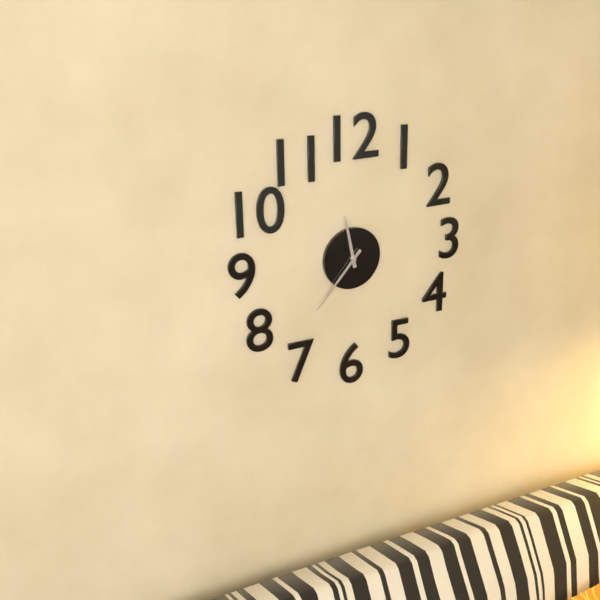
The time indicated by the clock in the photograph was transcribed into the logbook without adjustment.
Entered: 11:37
